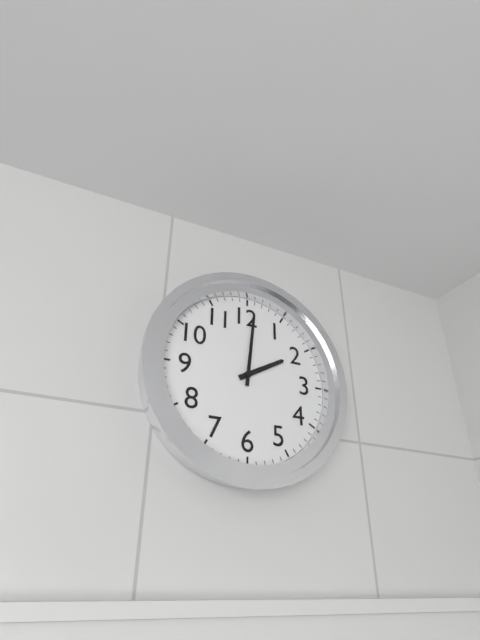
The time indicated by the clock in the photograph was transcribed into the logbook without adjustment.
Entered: 2:01
